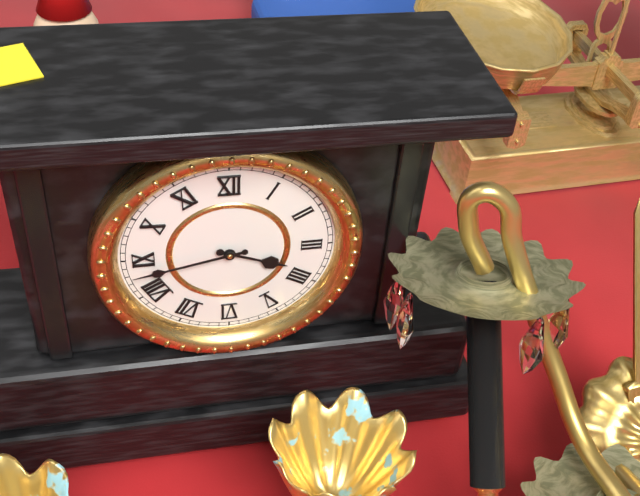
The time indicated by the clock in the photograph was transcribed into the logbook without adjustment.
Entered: 3:43
